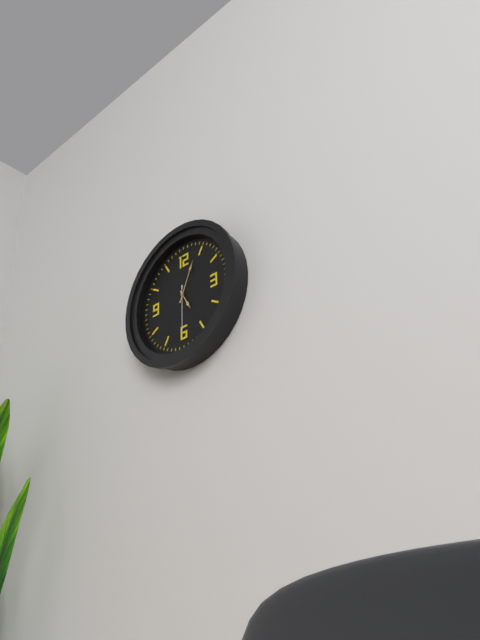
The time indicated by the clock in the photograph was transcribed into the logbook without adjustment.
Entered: 5:04
